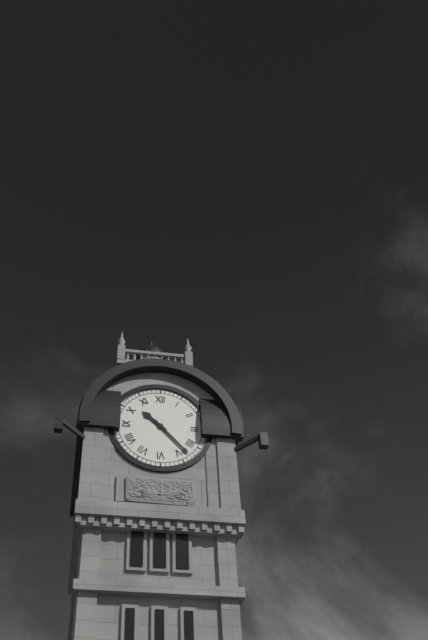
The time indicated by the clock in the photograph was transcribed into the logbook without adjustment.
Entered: 10:23
